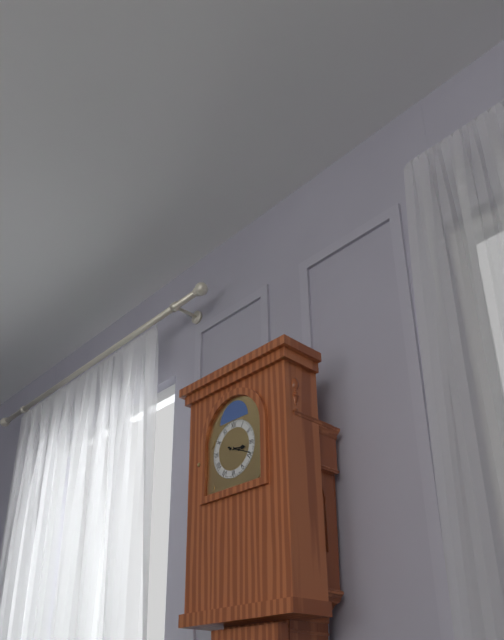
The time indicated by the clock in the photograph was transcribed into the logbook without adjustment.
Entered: 3:19
